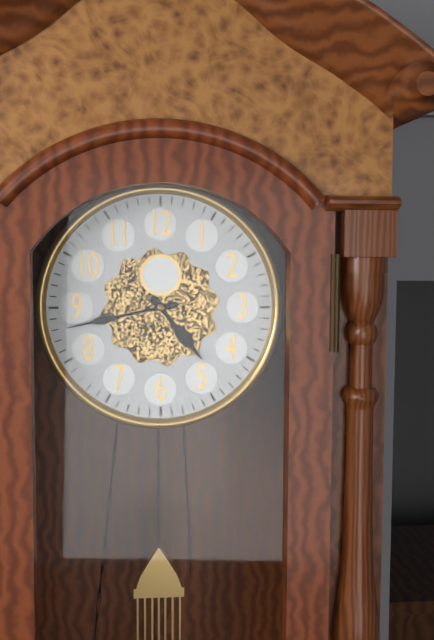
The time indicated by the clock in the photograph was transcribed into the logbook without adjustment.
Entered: 4:43
